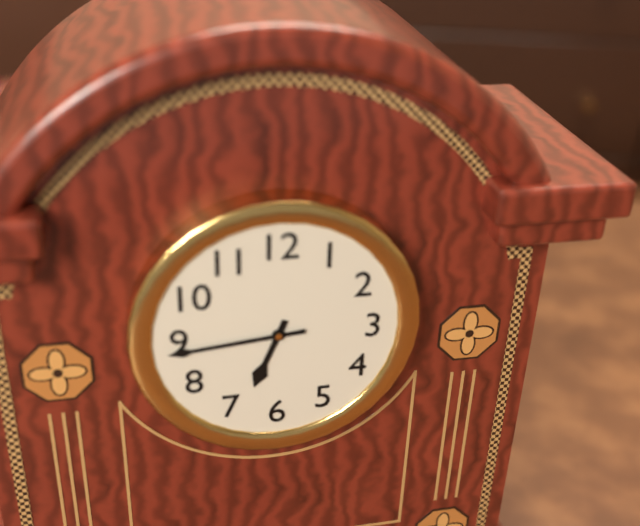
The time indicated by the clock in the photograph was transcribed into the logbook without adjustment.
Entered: 6:44
